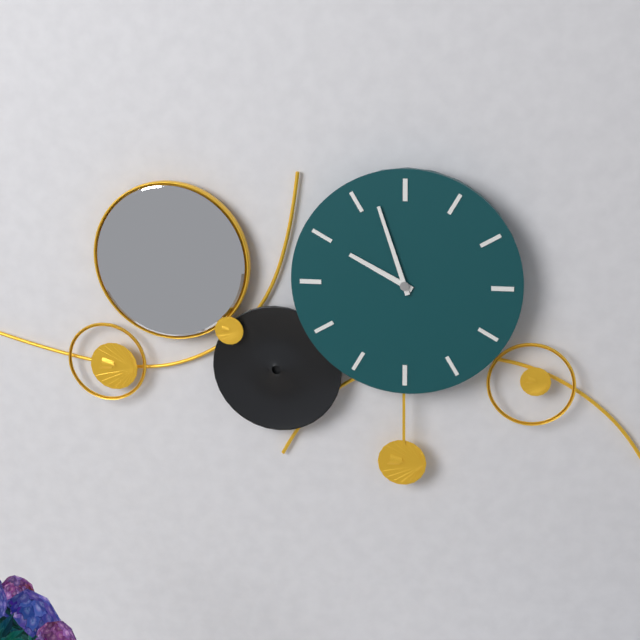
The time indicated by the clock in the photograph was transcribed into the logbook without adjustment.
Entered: 9:57
